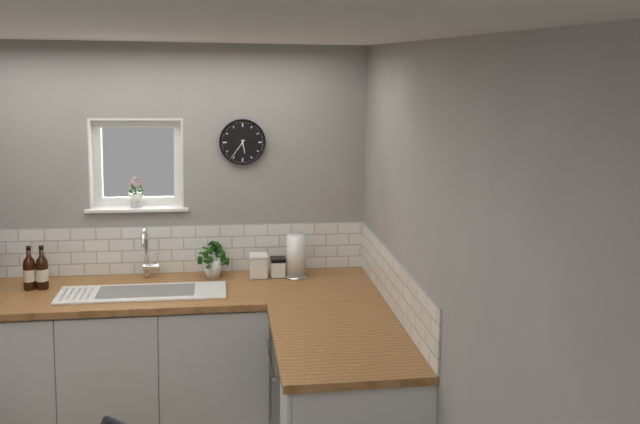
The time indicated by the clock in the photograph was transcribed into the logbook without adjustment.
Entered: 5:36
